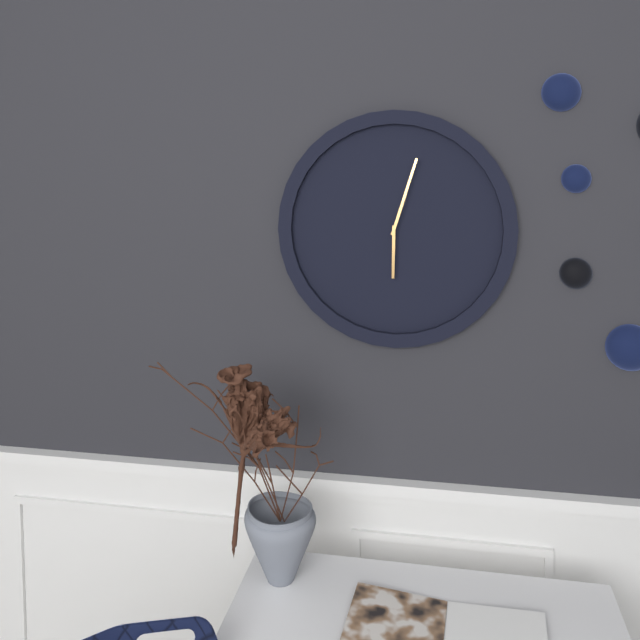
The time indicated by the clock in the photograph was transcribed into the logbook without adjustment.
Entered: 6:03
